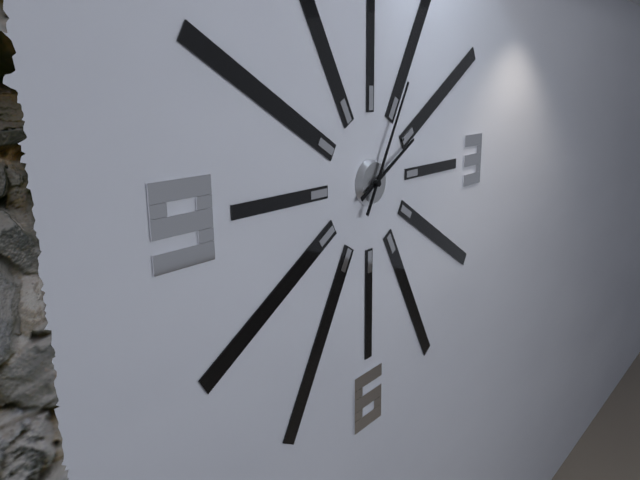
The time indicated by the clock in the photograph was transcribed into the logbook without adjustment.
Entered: 2:05
